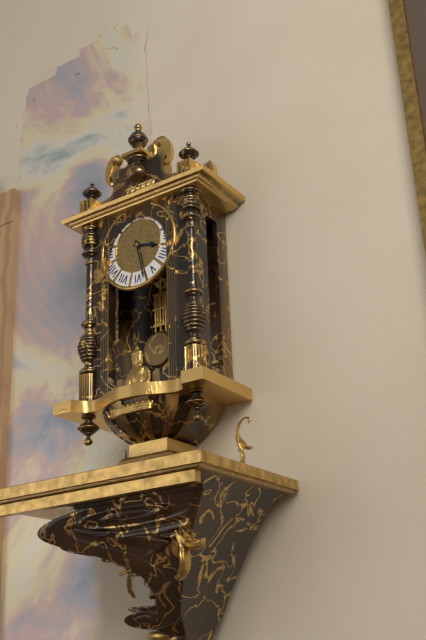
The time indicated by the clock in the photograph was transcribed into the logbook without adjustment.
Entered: 3:28
